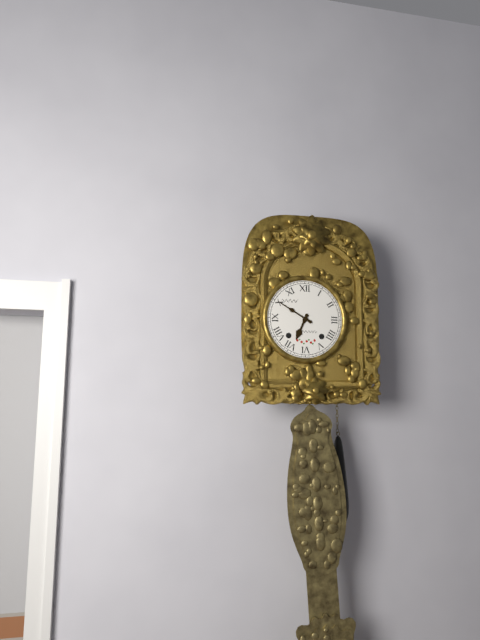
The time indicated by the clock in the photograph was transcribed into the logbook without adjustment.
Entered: 6:50
